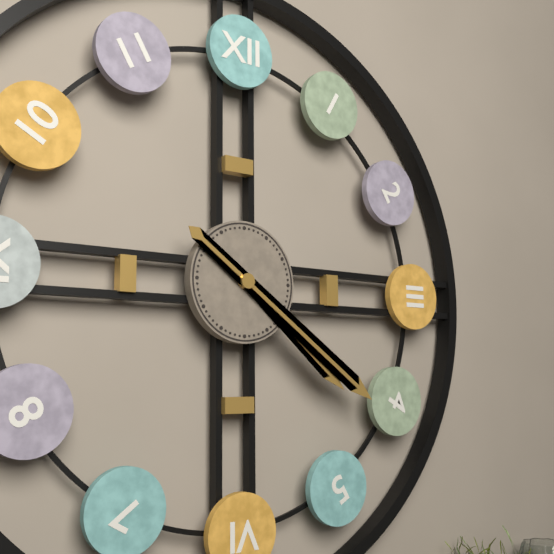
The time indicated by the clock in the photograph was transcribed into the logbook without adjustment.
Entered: 4:21
